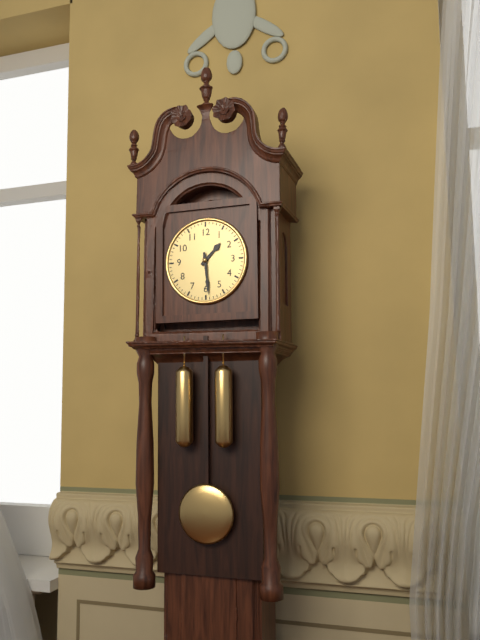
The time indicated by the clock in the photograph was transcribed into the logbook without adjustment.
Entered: 1:29
